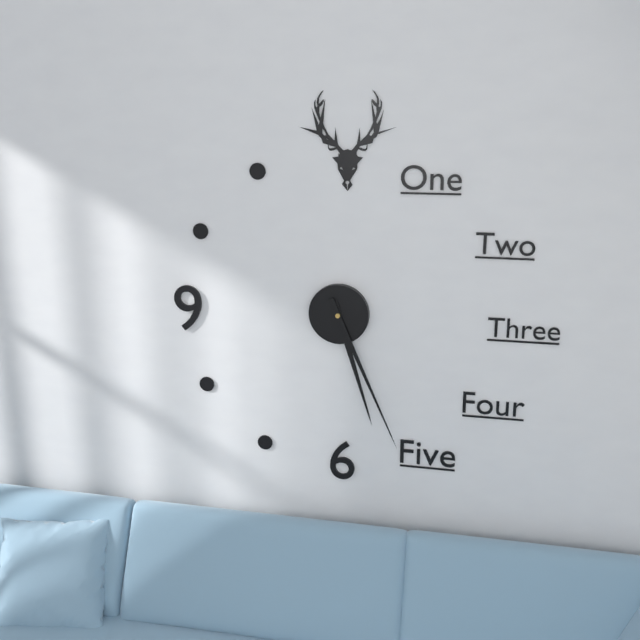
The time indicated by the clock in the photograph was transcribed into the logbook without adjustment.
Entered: 5:26
